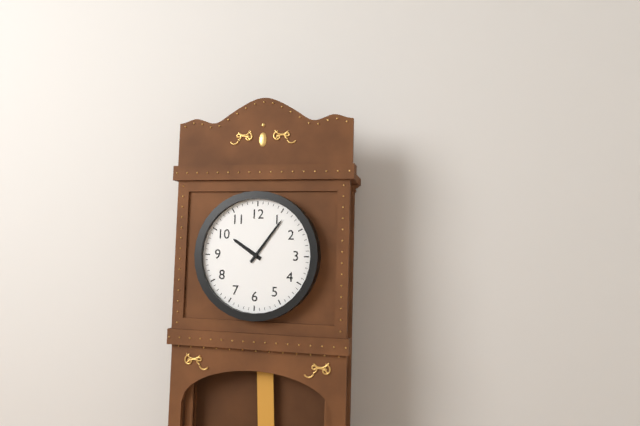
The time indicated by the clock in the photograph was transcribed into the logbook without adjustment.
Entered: 10:06
